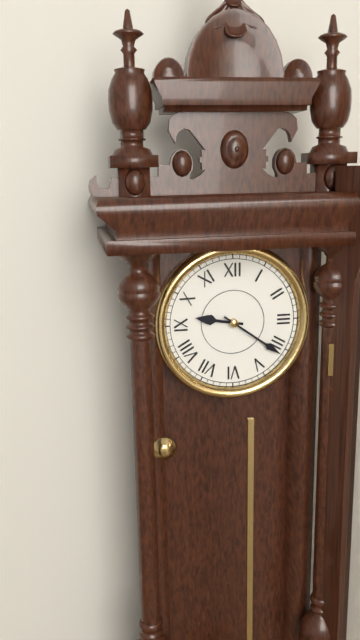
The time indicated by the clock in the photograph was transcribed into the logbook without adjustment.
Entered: 9:21
